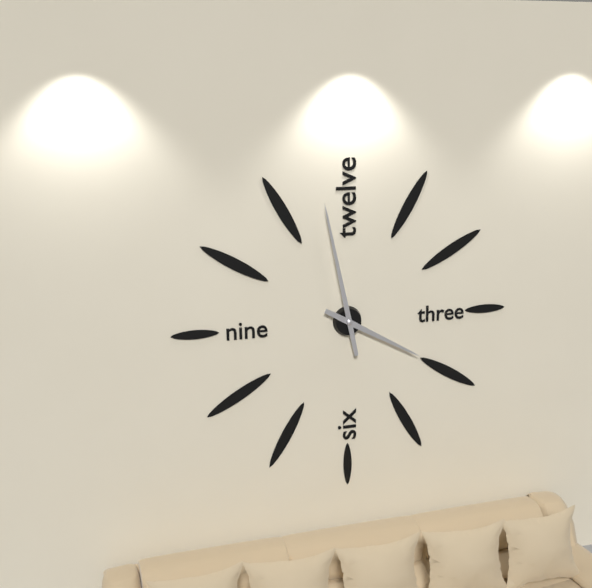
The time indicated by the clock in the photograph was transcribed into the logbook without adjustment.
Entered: 3:58
